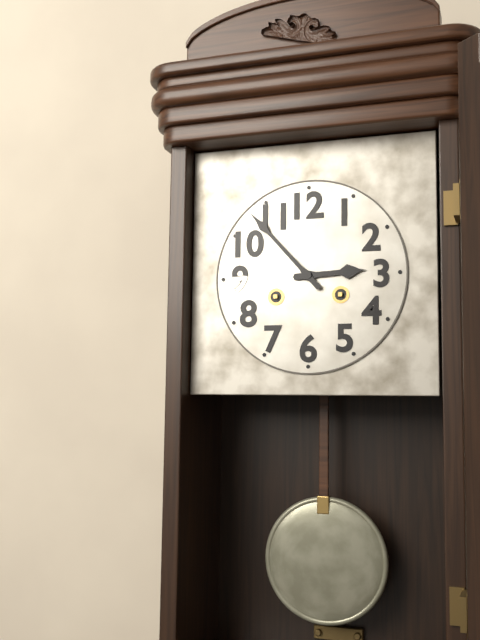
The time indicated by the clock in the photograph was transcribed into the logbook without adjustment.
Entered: 2:53
